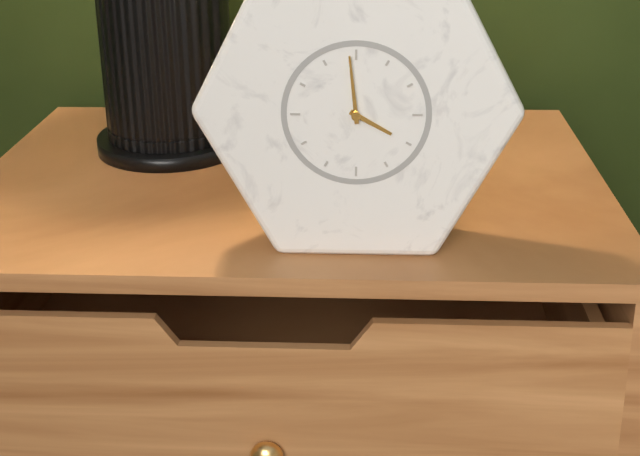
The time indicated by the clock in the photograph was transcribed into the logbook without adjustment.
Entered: 3:59
